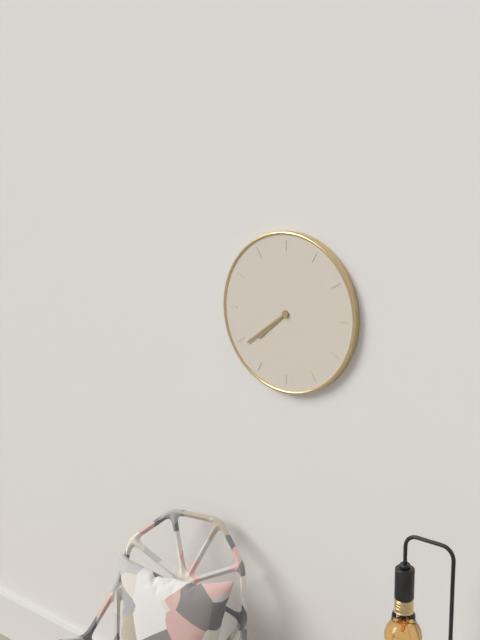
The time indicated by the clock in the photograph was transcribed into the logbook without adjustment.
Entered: 7:39
